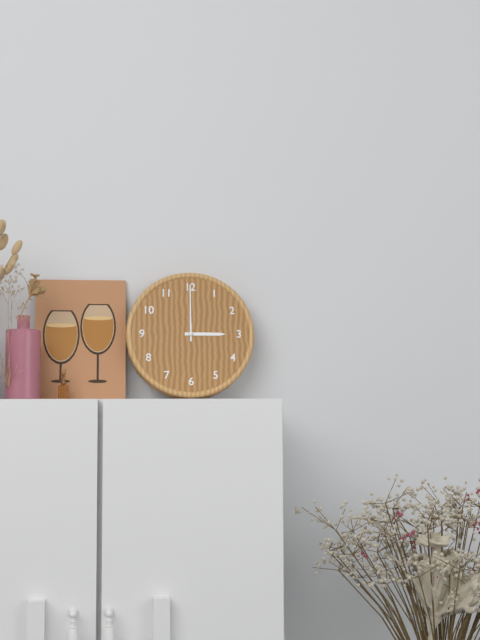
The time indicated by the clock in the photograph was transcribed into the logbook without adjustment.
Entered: 3:00
